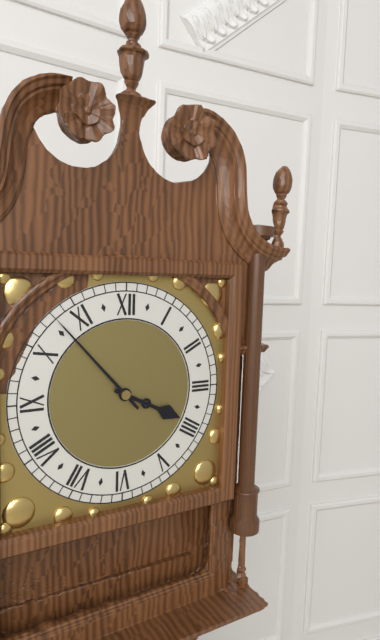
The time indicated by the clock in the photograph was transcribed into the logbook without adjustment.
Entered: 3:53
